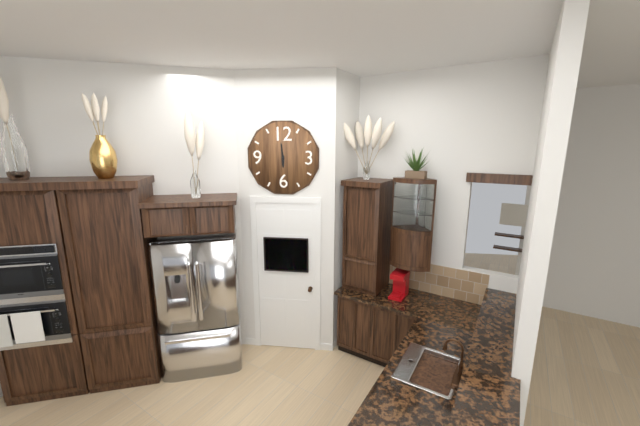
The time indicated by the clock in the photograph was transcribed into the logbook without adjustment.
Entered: 5:59
